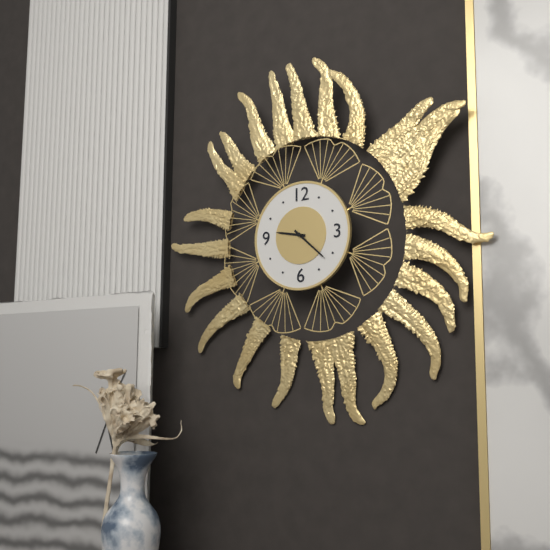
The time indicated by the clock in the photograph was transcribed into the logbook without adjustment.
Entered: 9:22
